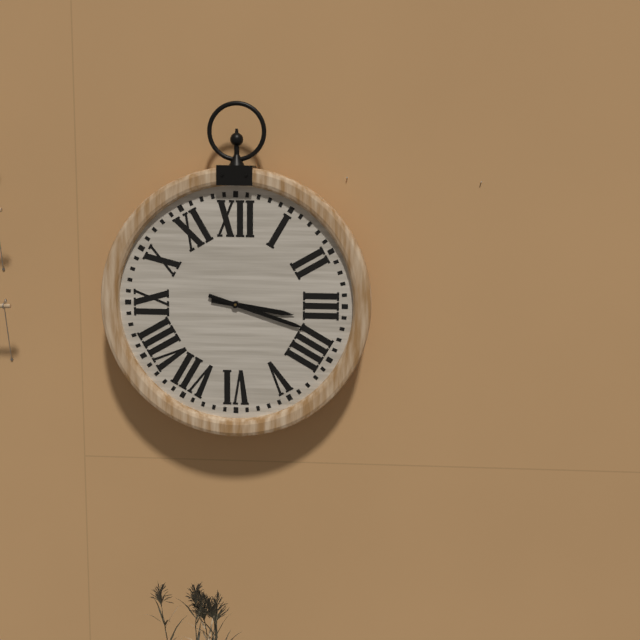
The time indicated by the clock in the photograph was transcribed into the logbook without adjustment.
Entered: 3:18
